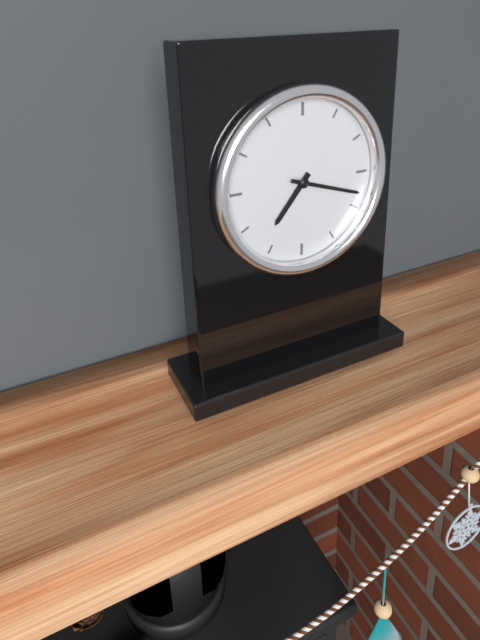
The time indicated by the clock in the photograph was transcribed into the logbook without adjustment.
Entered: 7:18
